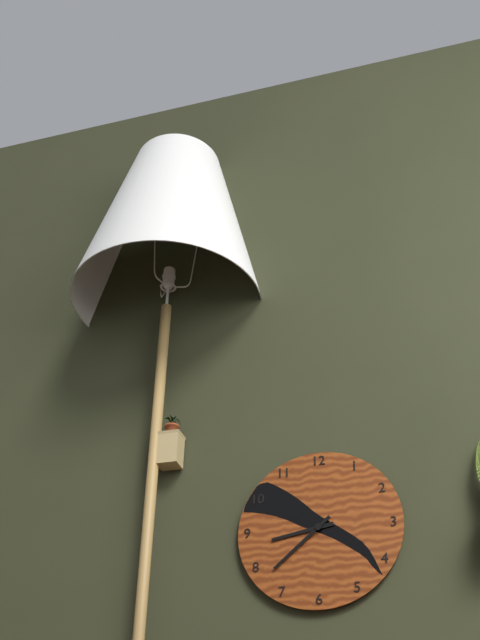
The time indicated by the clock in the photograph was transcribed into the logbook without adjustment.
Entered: 8:38
